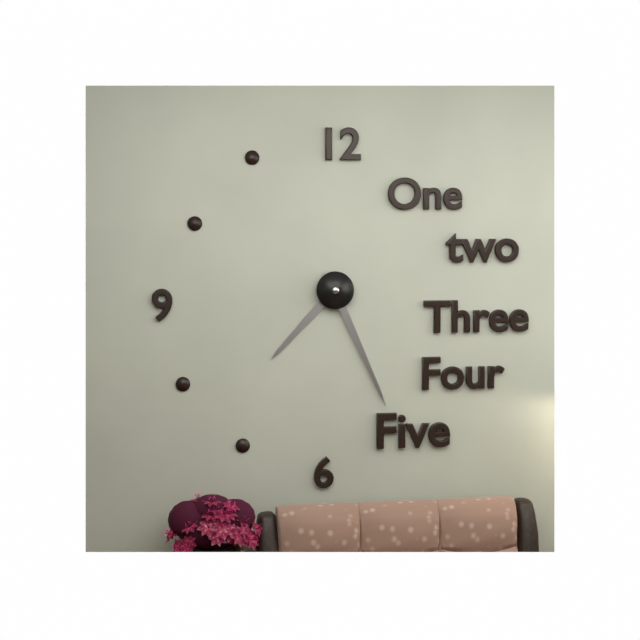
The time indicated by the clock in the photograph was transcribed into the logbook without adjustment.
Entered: 7:26
